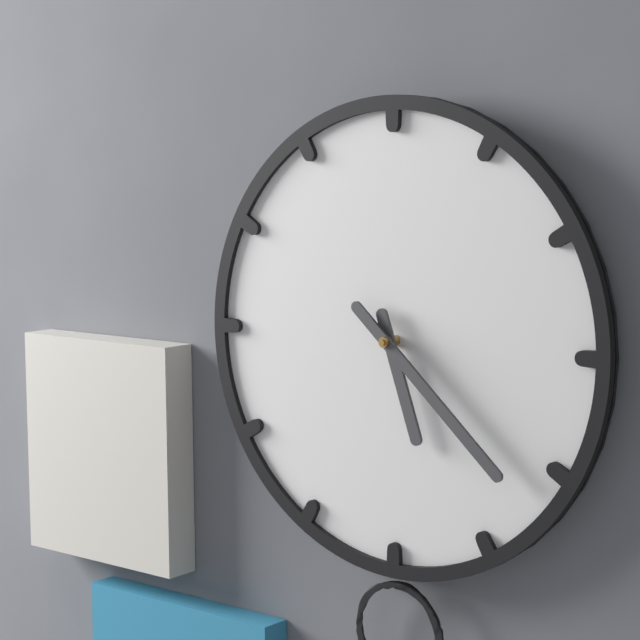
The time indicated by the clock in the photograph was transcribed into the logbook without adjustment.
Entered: 5:22
